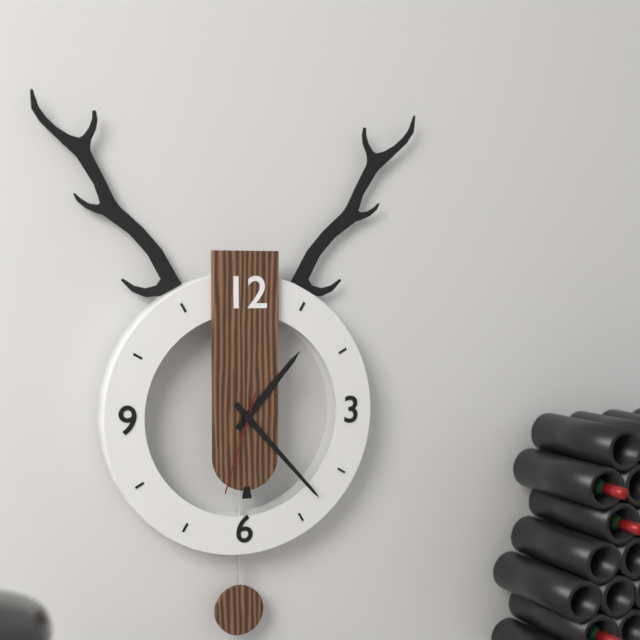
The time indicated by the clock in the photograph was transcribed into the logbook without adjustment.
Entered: 1:23:33
